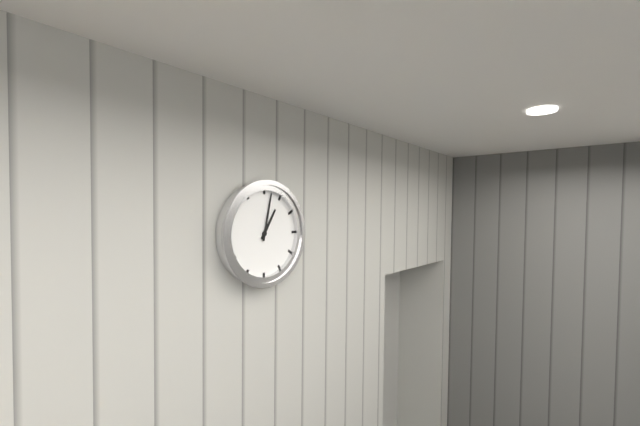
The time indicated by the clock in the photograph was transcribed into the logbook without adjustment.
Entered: 1:02
